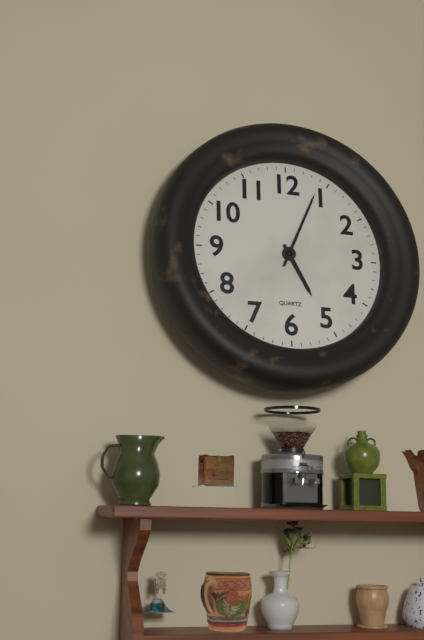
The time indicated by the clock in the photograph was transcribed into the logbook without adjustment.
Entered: 5:04
